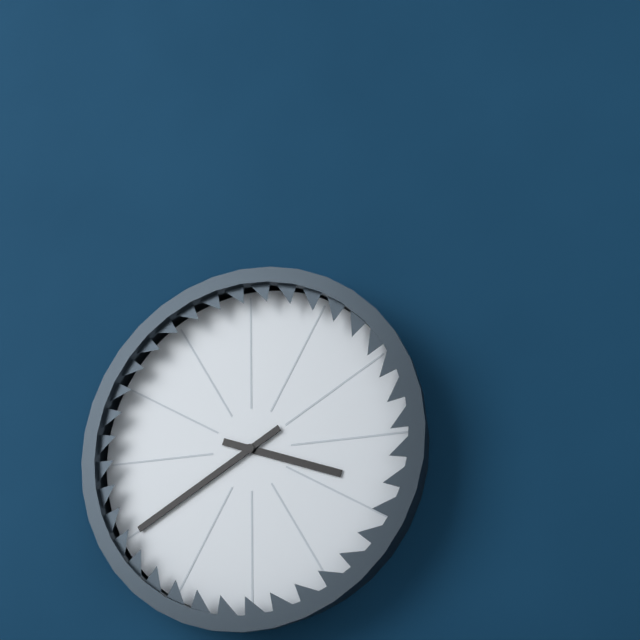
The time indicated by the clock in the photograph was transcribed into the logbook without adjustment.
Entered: 3:40
